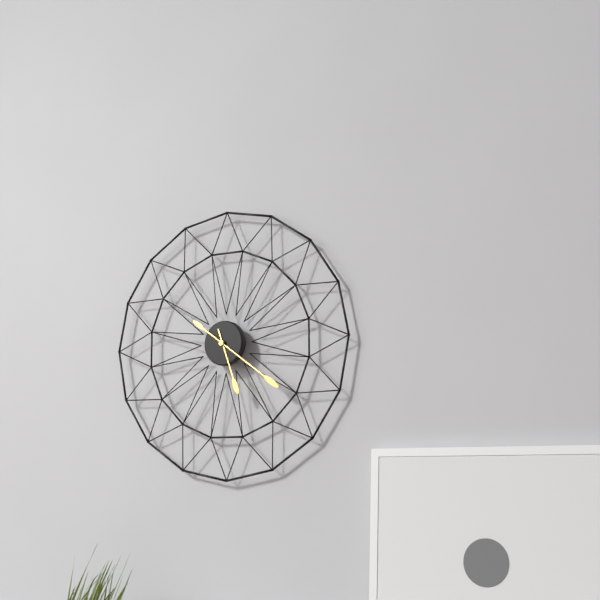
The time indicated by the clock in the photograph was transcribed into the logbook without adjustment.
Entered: 5:21
